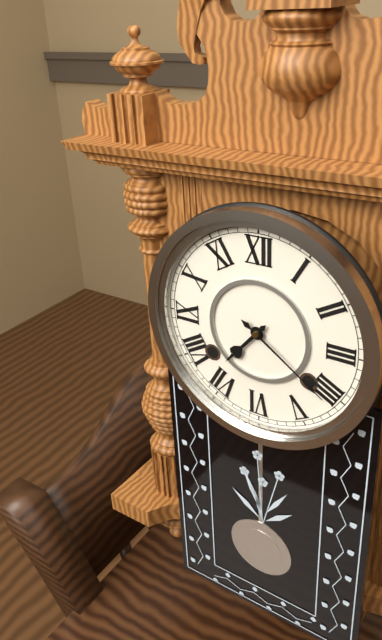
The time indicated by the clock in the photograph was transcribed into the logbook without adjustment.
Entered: 7:21
